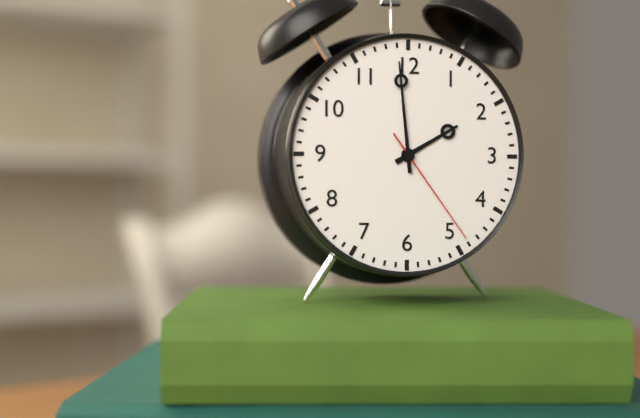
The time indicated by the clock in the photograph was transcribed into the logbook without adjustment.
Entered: 1:59:24
